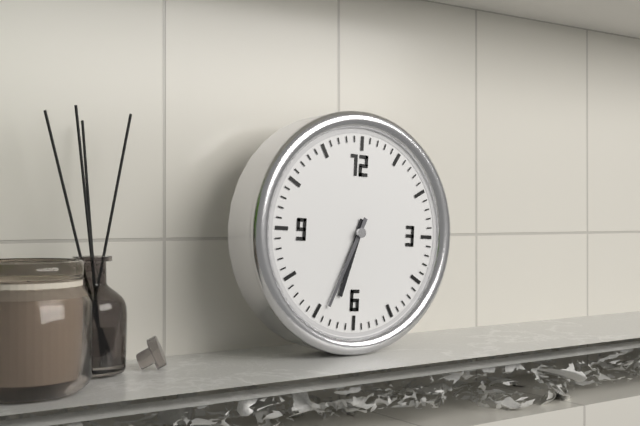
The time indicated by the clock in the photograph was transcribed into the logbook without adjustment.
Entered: 6:34
